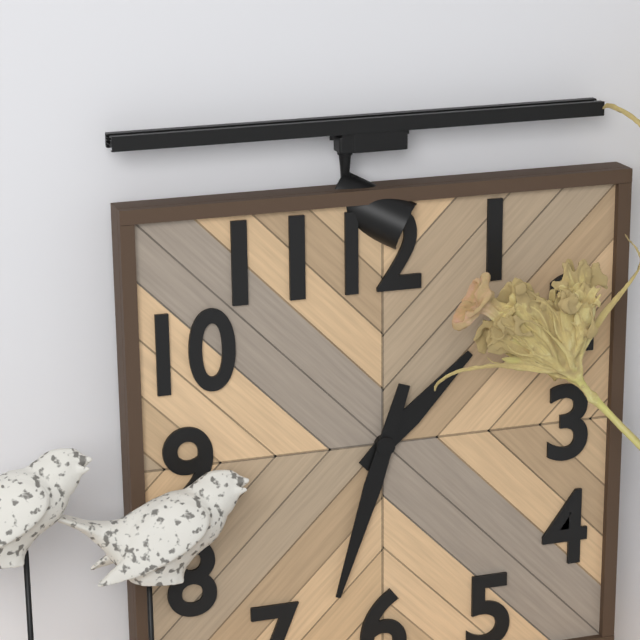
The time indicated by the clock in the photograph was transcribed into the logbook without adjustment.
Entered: 1:33
